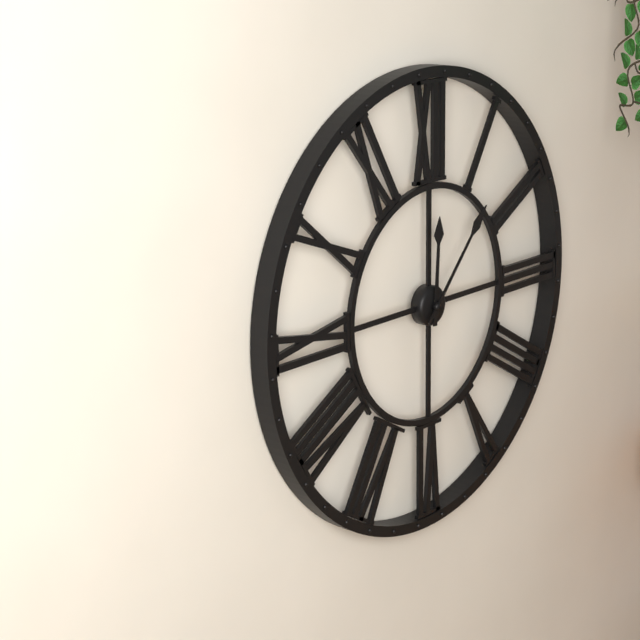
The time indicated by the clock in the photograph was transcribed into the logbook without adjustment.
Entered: 12:07
